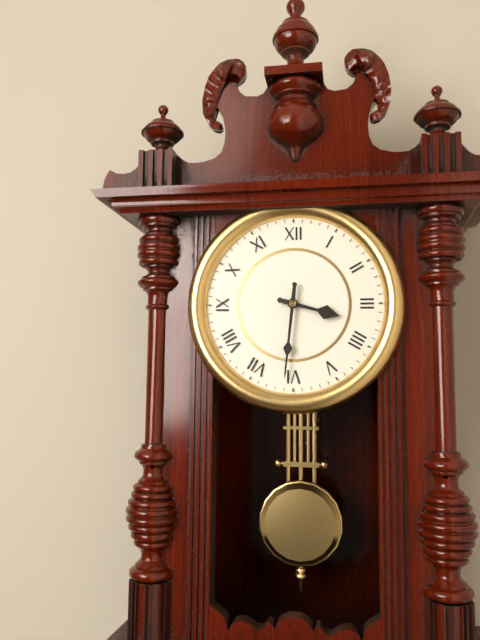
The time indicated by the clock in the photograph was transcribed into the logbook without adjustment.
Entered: 3:31
